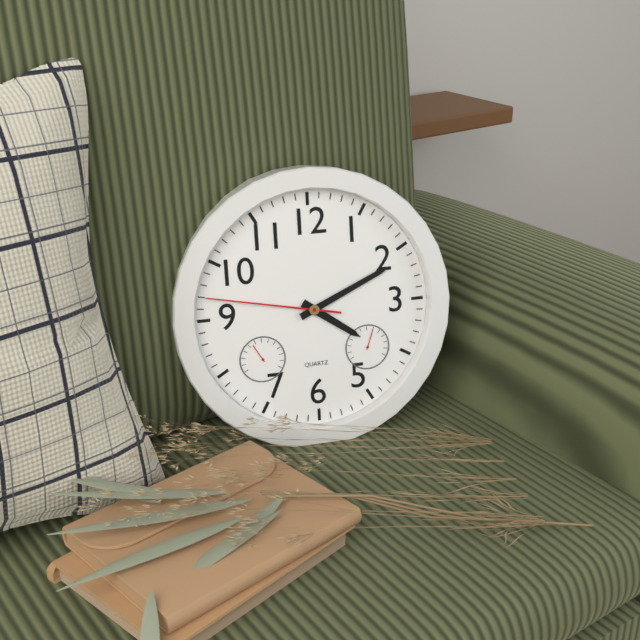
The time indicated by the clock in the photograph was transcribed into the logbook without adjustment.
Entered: 4:11:47
